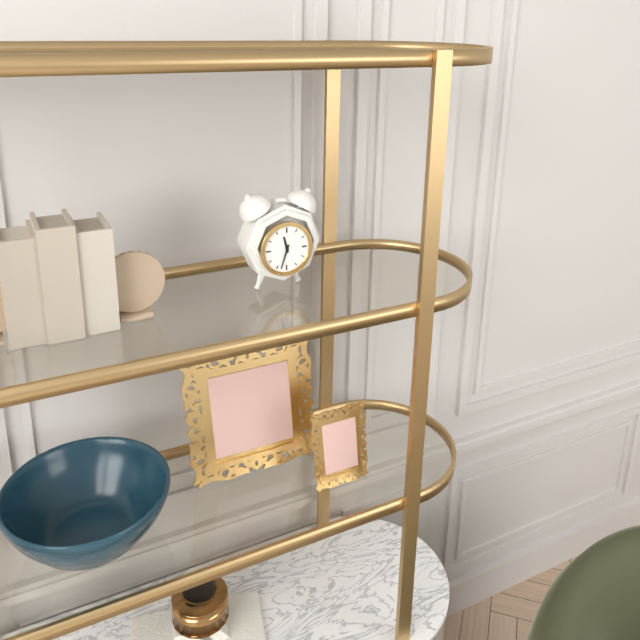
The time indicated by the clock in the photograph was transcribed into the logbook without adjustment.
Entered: 11:33
